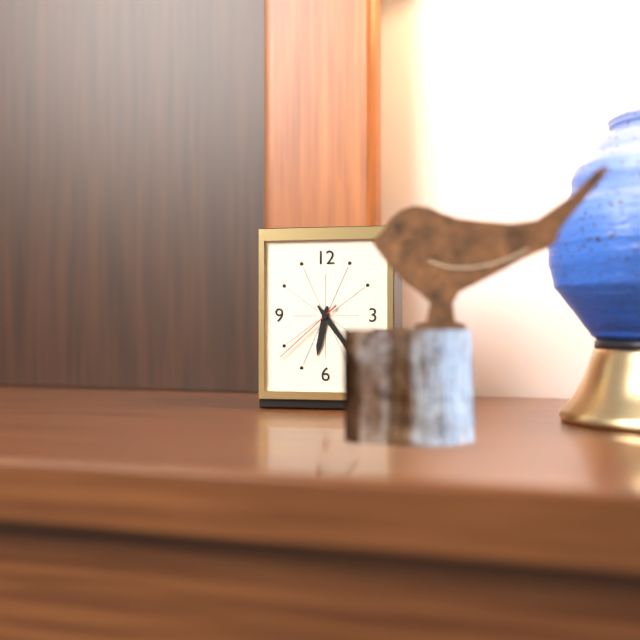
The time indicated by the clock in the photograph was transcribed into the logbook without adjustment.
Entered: 6:24:38
